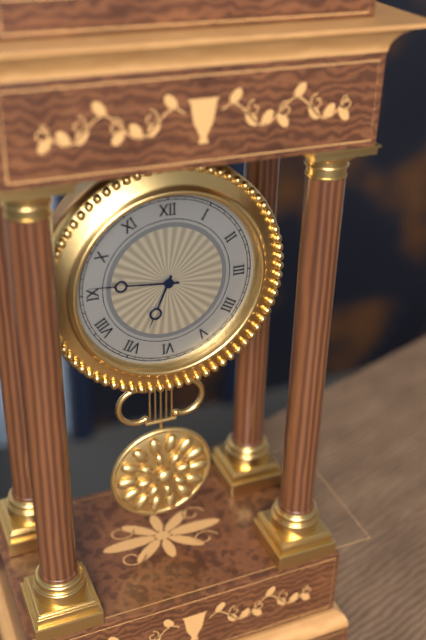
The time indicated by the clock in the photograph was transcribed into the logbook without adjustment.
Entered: 6:46
